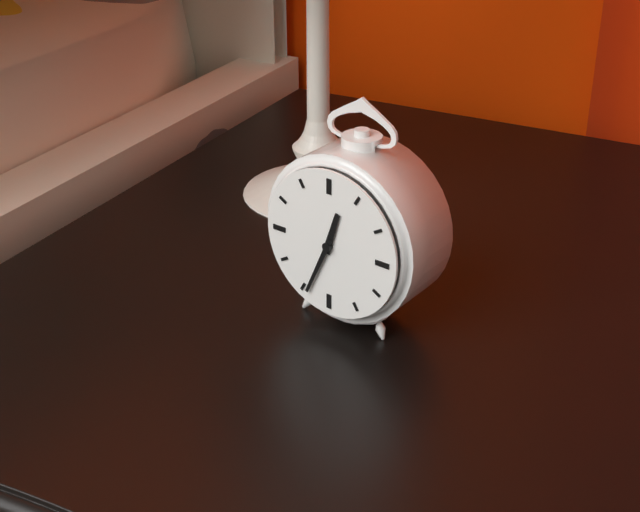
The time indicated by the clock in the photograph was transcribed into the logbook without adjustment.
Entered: 12:34
